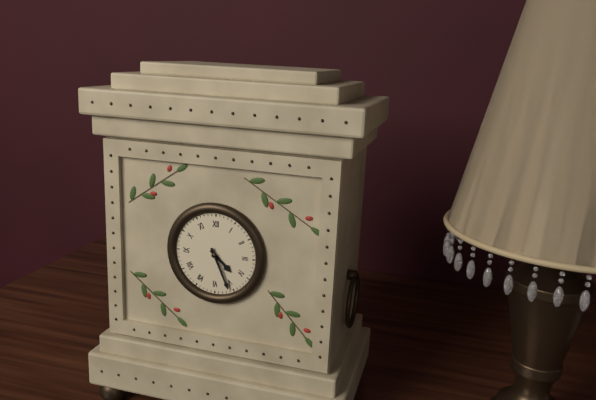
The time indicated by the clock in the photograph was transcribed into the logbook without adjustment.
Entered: 4:26
